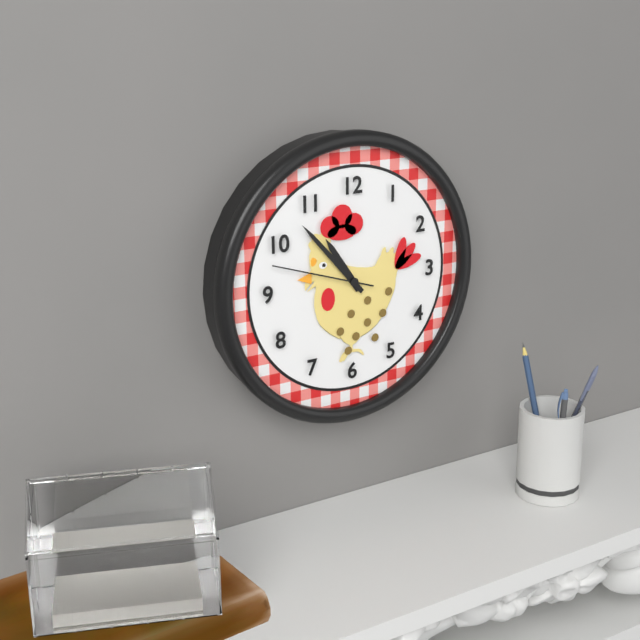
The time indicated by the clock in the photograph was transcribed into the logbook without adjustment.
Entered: 10:53:48
